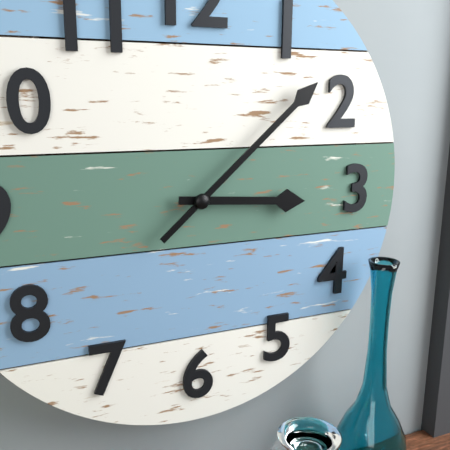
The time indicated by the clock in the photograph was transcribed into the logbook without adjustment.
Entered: 3:08
